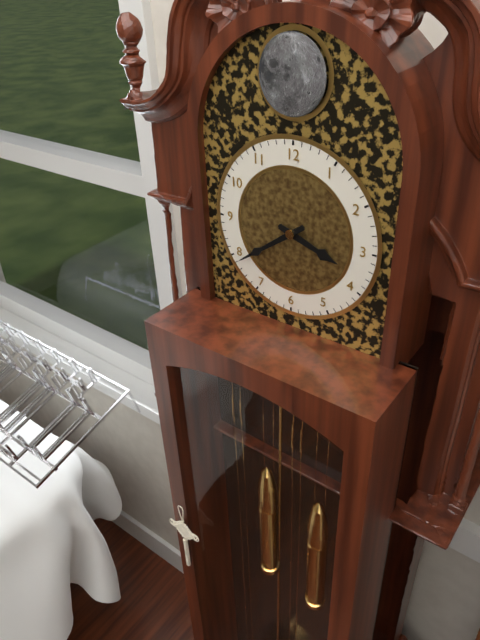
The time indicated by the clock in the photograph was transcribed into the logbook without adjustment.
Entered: 3:39
